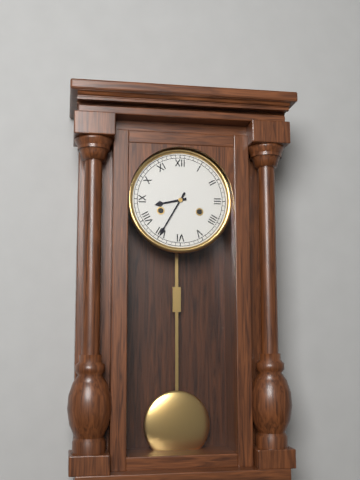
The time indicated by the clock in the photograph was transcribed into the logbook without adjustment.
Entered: 8:35
